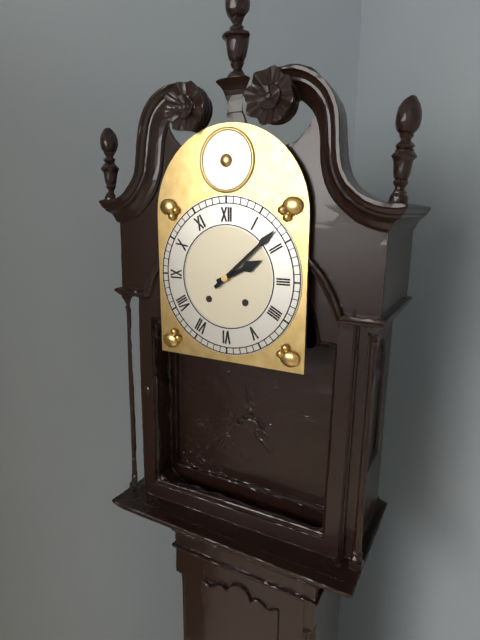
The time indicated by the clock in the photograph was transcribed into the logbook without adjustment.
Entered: 2:08
